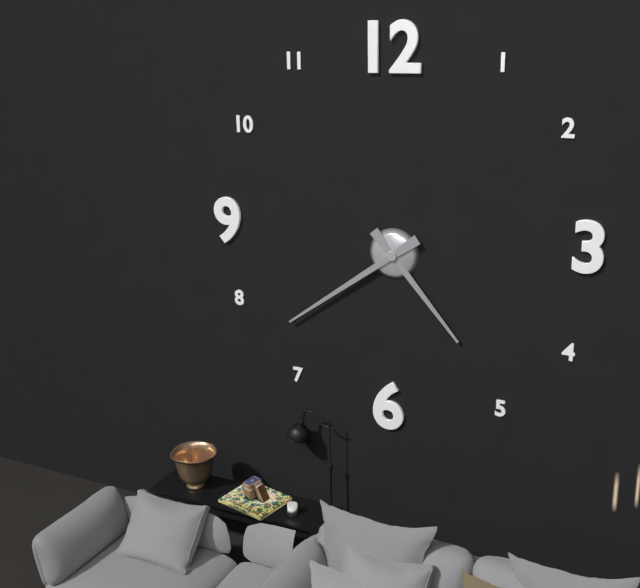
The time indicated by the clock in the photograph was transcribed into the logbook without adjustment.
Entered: 4:39
